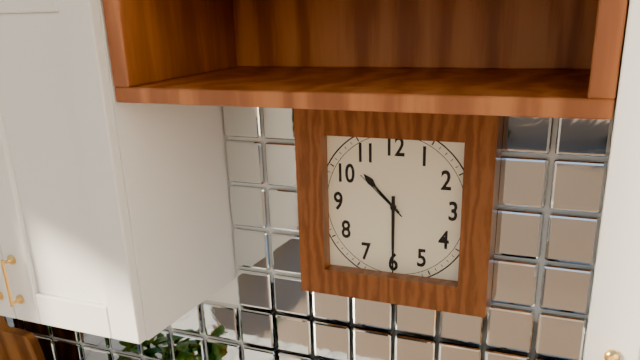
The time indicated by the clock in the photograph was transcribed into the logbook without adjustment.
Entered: 10:30:52
